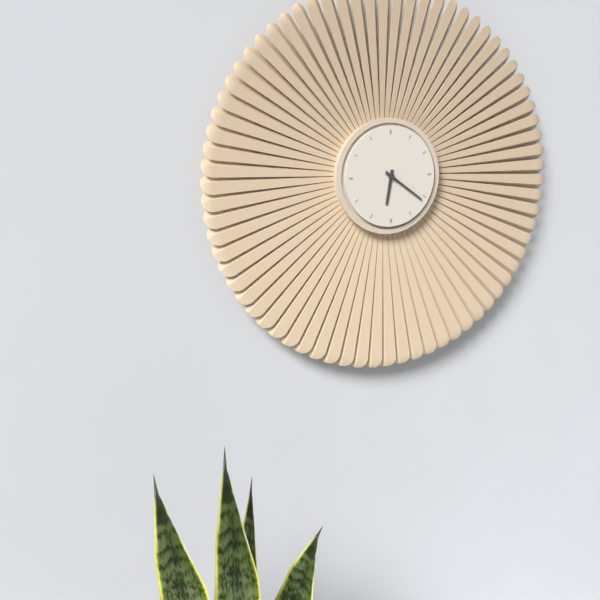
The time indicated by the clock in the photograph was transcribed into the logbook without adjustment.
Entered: 6:21
